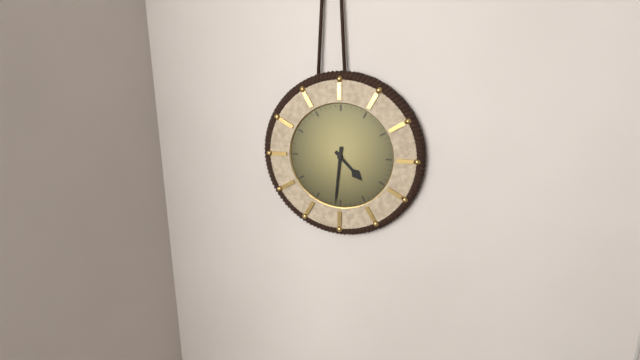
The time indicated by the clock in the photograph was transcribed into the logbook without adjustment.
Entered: 4:31
